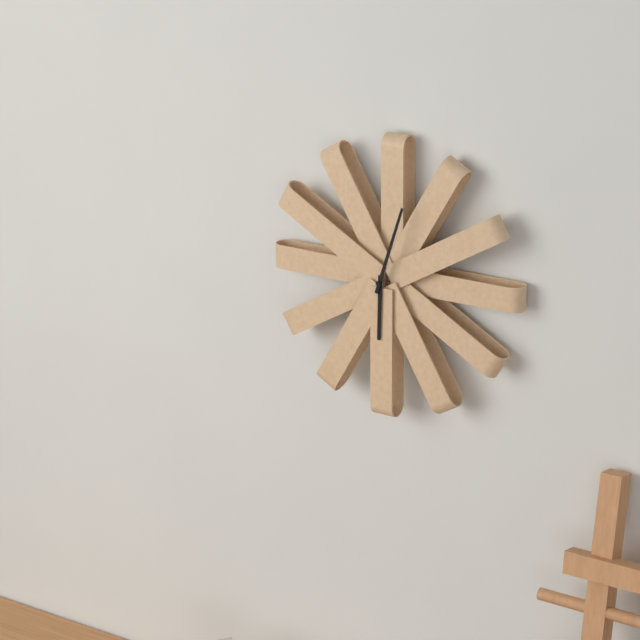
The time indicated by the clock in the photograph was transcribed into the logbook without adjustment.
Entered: 6:03
